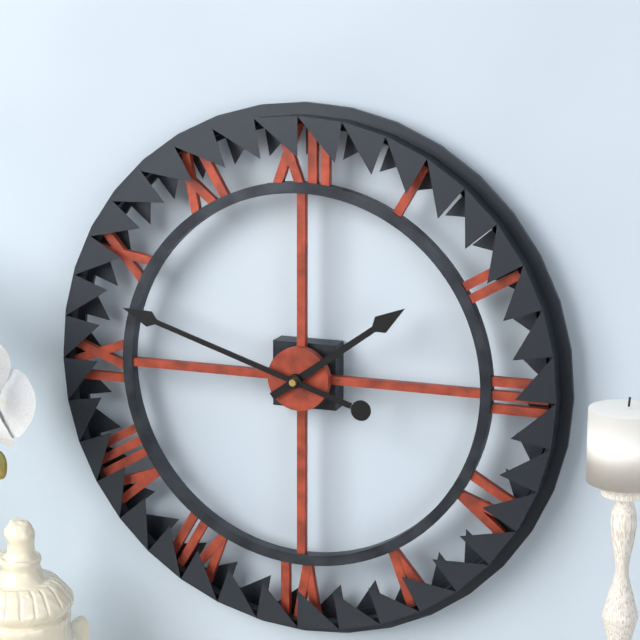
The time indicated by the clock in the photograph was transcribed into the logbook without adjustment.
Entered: 1:48
